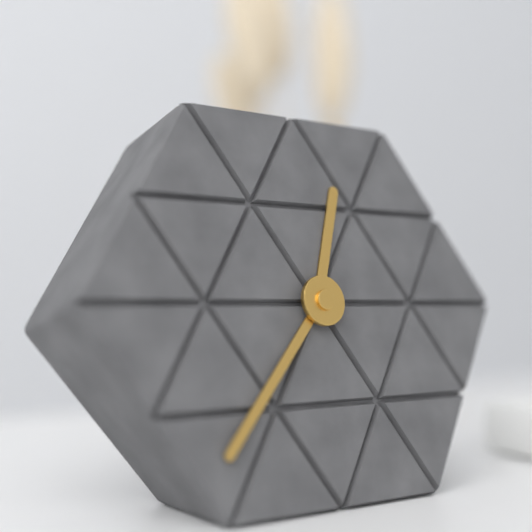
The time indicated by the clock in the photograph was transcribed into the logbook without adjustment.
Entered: 12:37
